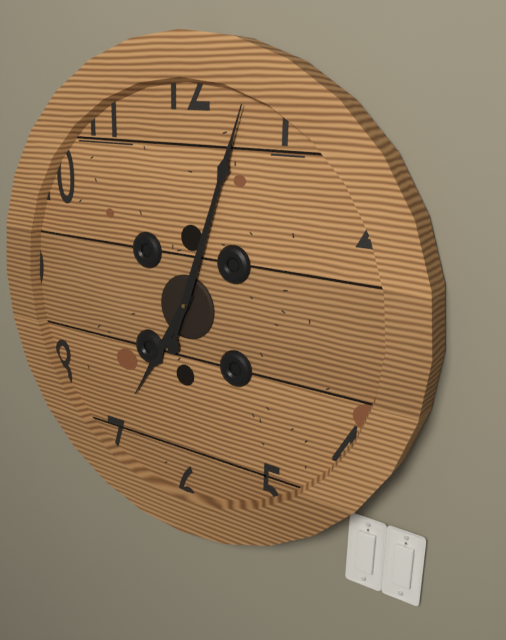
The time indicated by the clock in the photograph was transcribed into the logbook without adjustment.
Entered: 7:03
